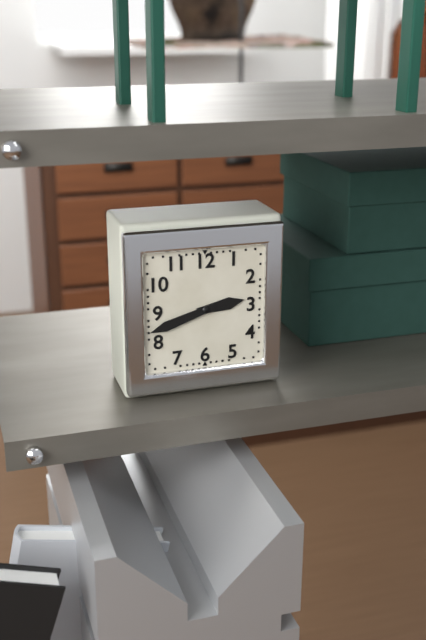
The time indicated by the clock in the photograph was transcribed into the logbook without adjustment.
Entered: 2:42
